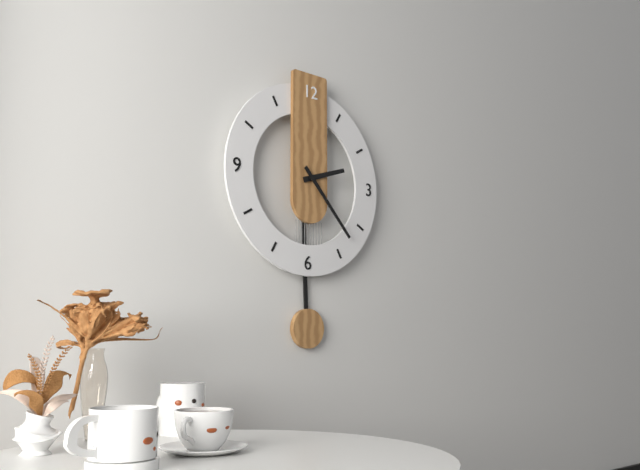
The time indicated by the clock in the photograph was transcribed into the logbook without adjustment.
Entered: 2:23
